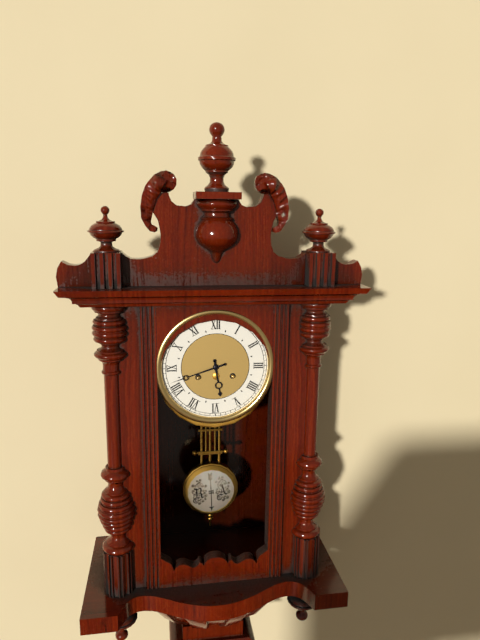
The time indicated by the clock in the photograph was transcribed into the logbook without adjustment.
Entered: 5:42
